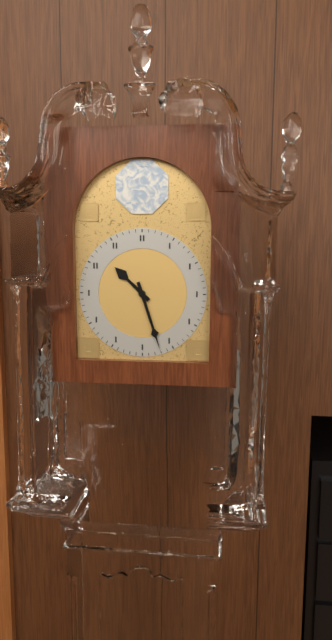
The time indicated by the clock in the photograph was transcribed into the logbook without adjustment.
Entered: 10:27
